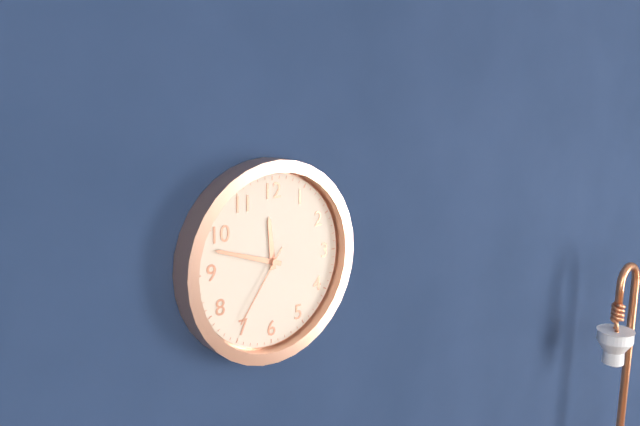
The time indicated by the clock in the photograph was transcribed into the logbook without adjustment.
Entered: 11:48:36
